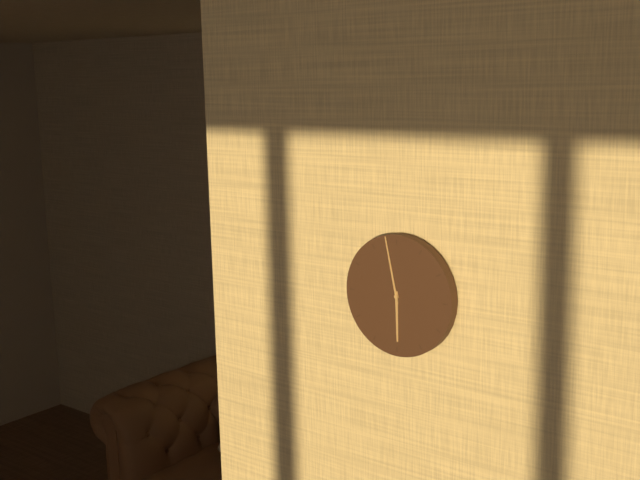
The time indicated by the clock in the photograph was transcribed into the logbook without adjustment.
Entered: 5:58
